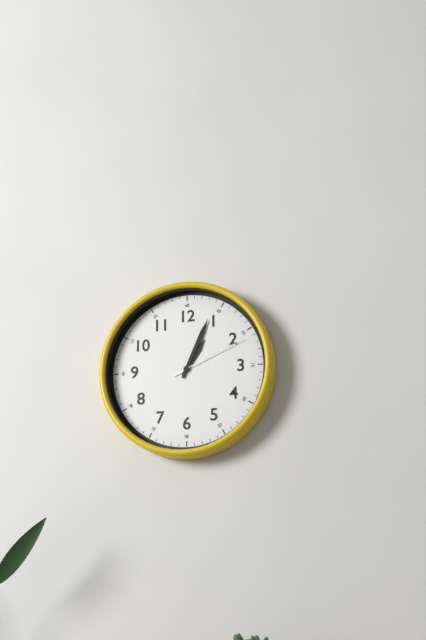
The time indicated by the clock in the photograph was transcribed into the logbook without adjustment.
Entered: 1:04:11
